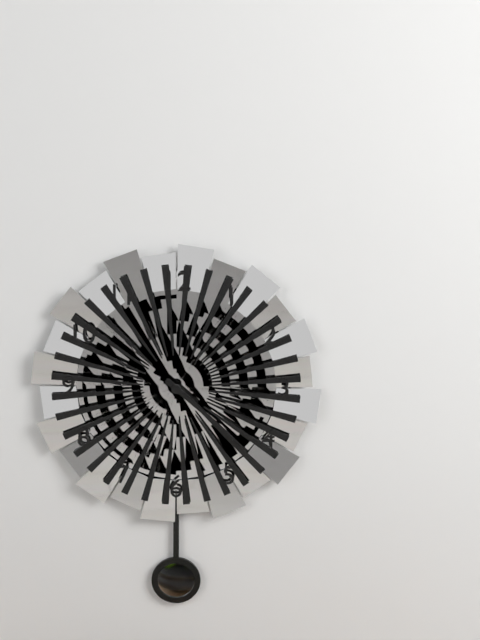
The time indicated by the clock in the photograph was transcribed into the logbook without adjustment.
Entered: 4:22
